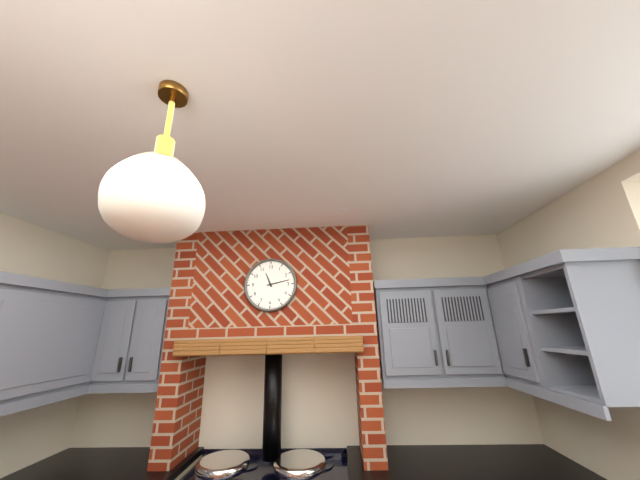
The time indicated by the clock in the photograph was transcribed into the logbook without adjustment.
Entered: 11:13
